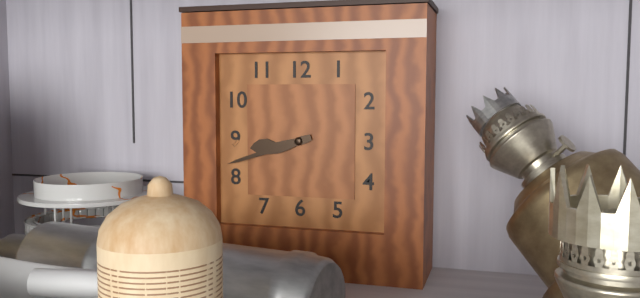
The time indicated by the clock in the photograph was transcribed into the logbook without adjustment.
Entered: 8:42
